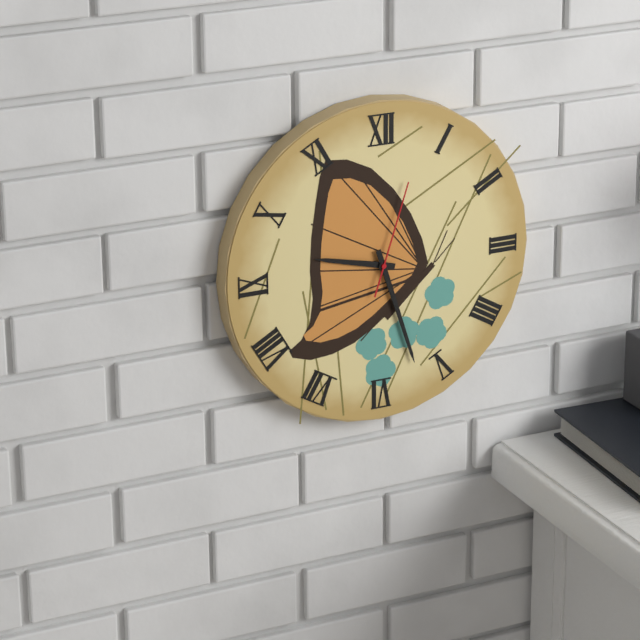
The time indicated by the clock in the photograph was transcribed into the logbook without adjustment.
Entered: 9:27:03
